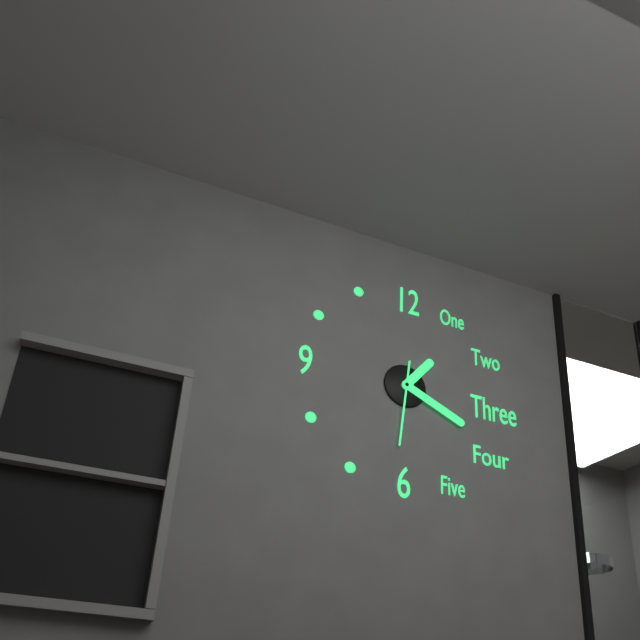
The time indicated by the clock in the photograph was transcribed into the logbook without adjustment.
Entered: 1:19:31
